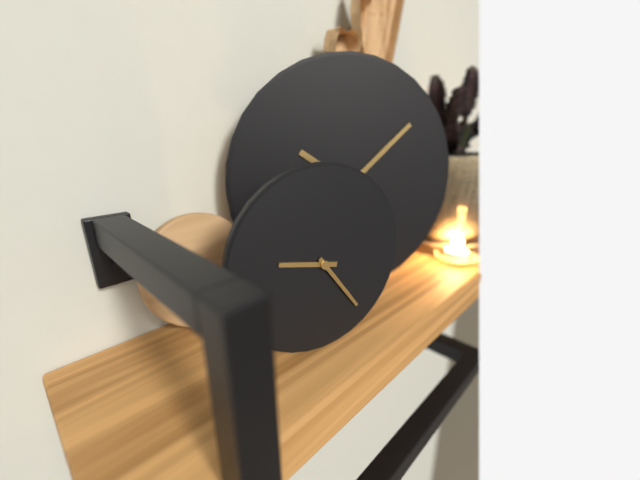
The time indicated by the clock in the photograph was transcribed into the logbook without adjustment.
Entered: 9:24
